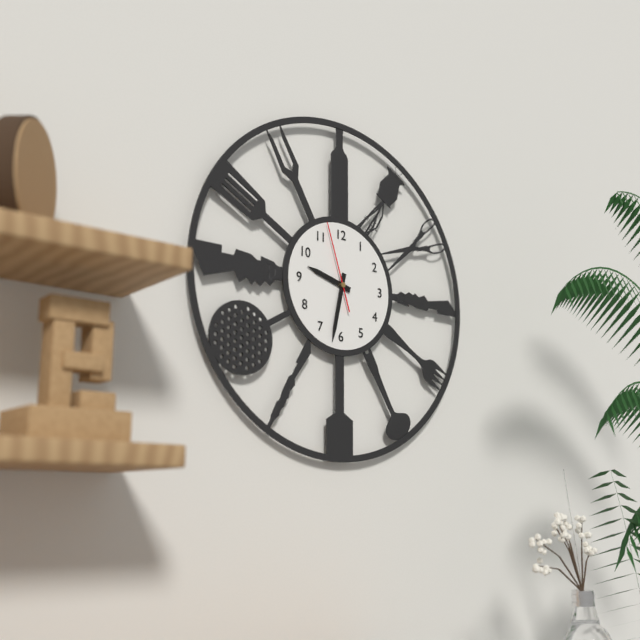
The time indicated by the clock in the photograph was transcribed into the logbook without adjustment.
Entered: 9:32:57
